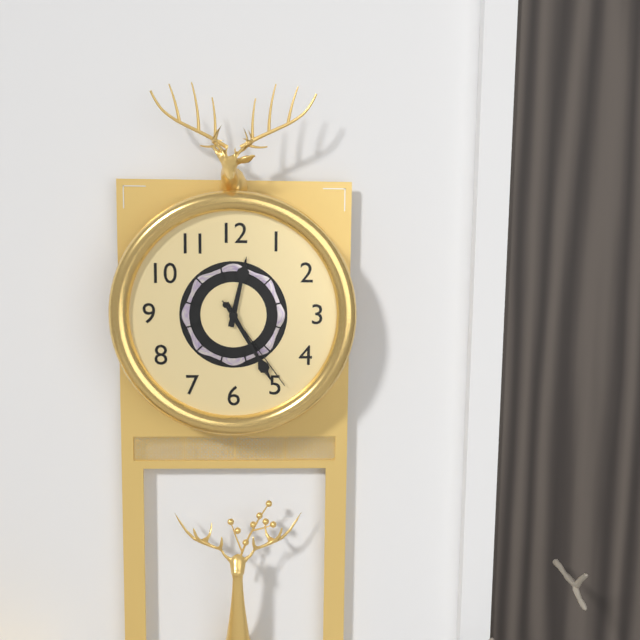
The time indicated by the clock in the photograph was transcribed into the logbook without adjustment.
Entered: 12:25:24
